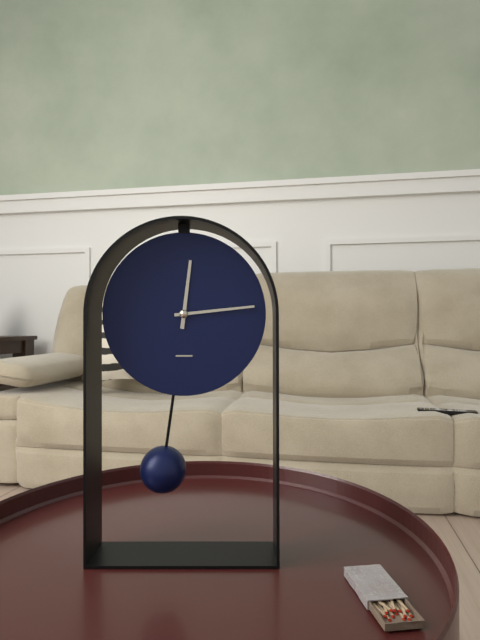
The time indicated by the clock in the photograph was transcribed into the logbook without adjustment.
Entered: 12:14
